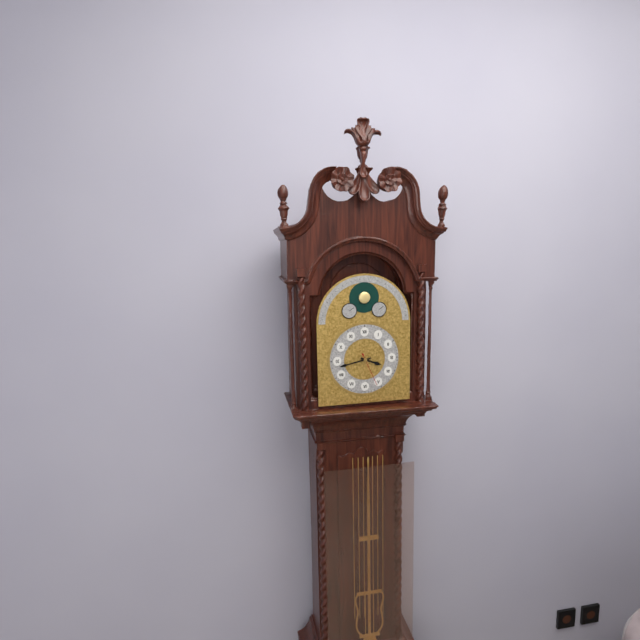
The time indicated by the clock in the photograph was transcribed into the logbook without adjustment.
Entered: 3:43
